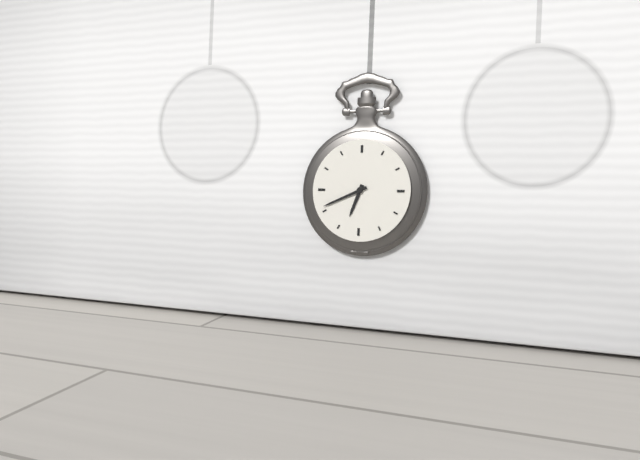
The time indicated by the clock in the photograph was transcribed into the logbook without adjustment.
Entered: 6:41
